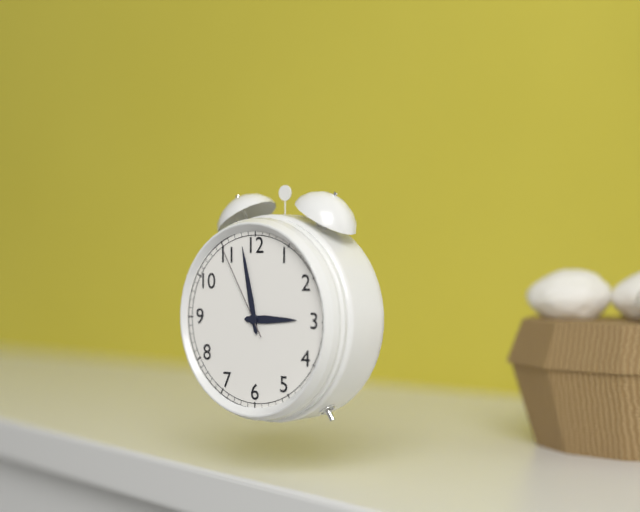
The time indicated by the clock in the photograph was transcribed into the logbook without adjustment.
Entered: 2:58:55
